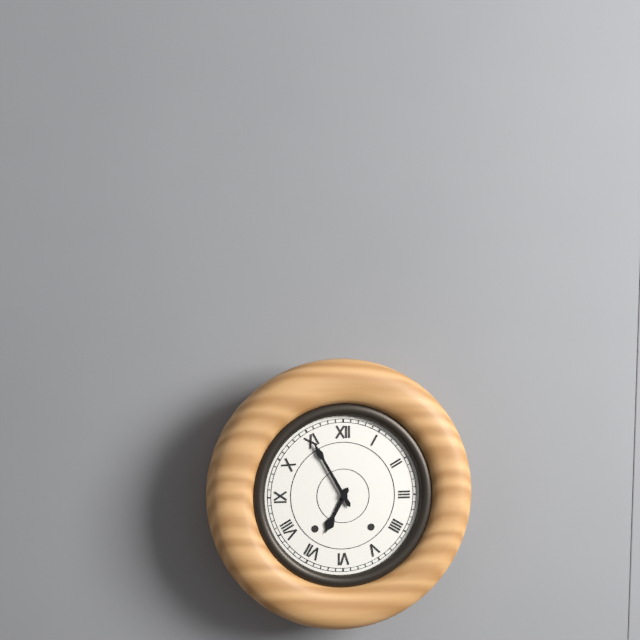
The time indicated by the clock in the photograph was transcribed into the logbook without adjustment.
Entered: 6:55
